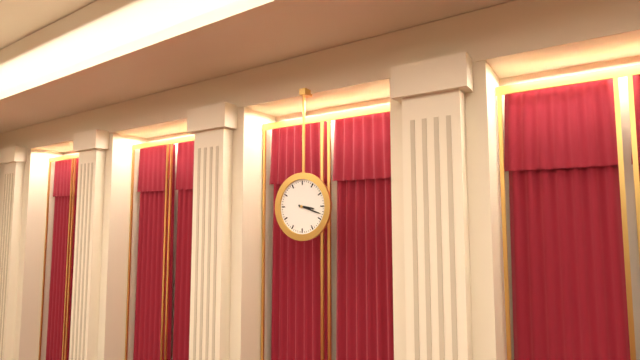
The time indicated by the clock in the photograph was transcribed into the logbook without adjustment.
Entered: 3:18
